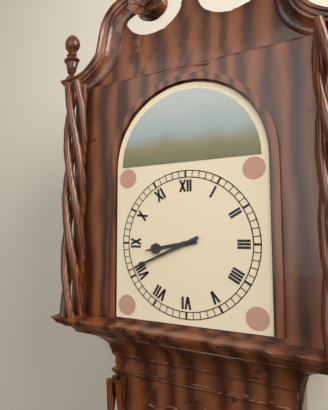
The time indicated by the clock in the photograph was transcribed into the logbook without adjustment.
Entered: 8:41
